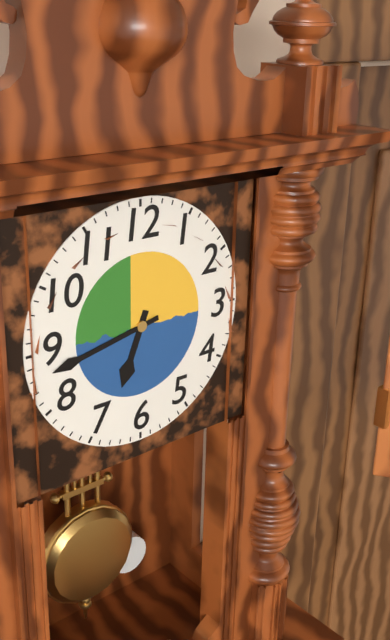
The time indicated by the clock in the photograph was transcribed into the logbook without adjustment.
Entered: 6:43
